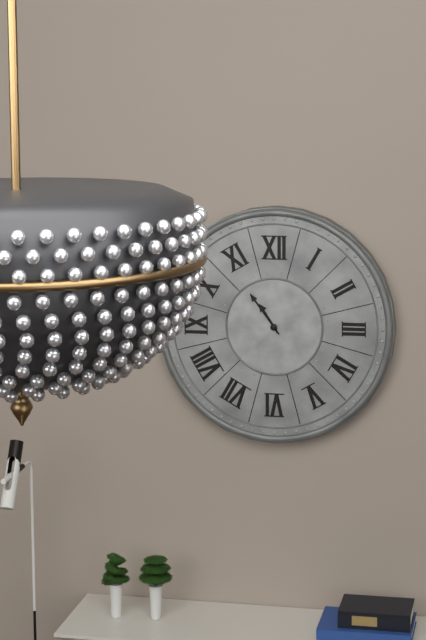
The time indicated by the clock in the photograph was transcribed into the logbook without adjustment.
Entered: 10:54
